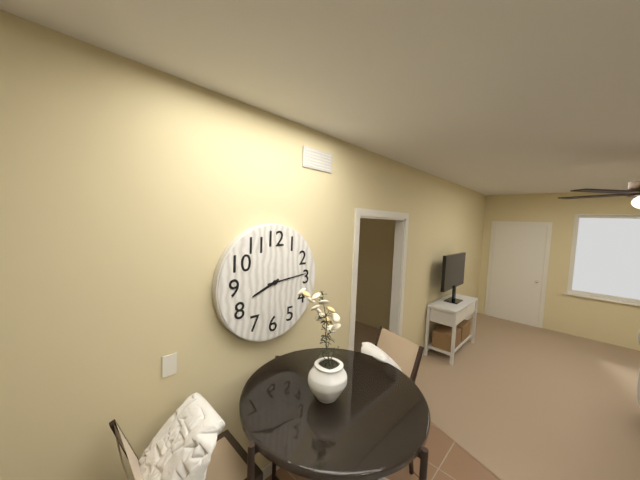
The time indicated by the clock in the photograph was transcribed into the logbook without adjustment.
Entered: 8:14
